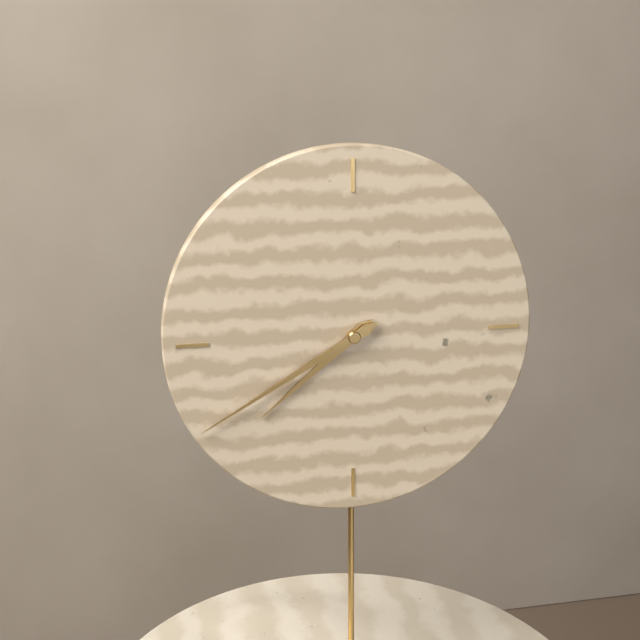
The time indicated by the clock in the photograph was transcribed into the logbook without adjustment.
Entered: 7:40
